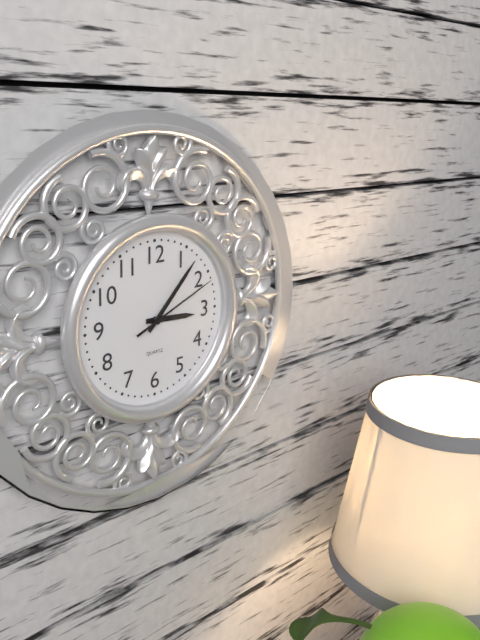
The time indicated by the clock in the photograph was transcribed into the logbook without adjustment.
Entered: 3:07:11
